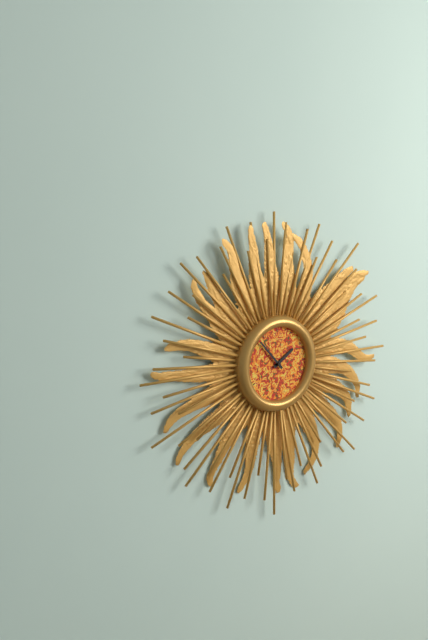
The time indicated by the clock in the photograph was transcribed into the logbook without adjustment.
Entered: 1:53
